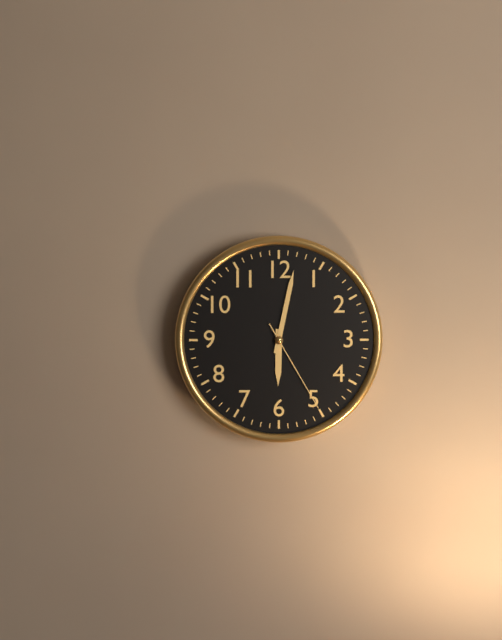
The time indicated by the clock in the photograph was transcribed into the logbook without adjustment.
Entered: 6:02:25
